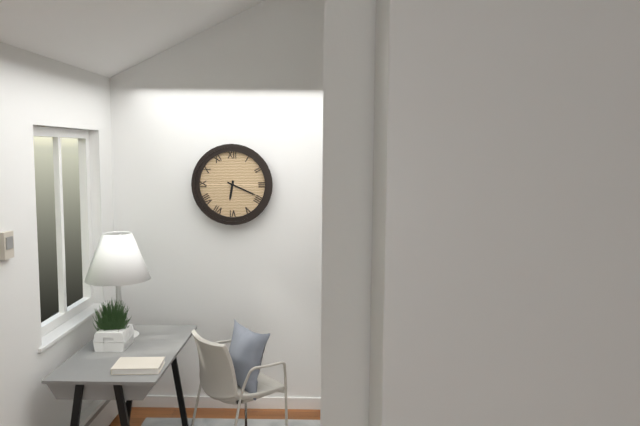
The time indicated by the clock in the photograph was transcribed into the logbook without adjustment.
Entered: 6:19
